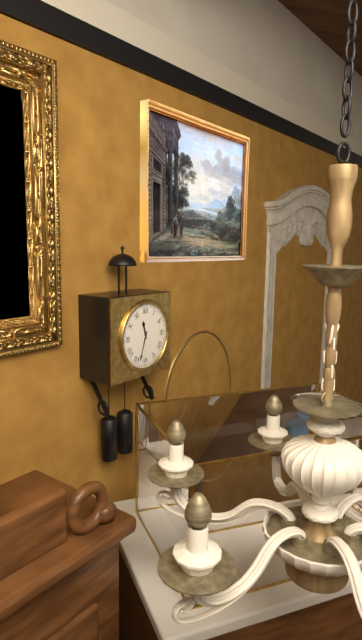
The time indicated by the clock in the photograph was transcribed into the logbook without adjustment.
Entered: 11:33
